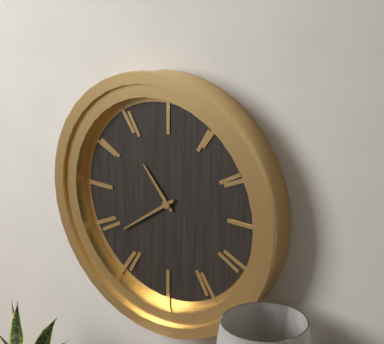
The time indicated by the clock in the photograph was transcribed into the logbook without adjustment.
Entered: 10:39
